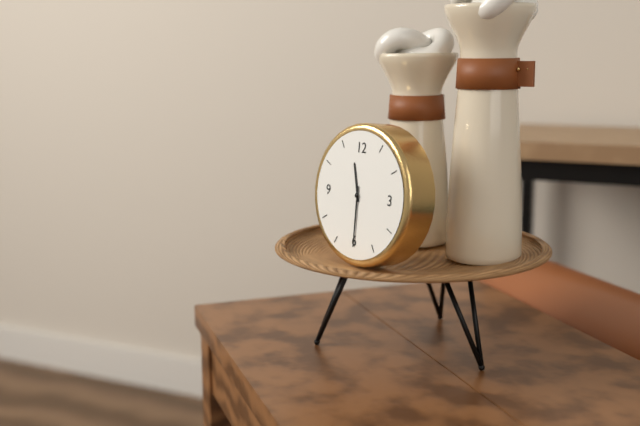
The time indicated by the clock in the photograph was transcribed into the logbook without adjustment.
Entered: 11:30
